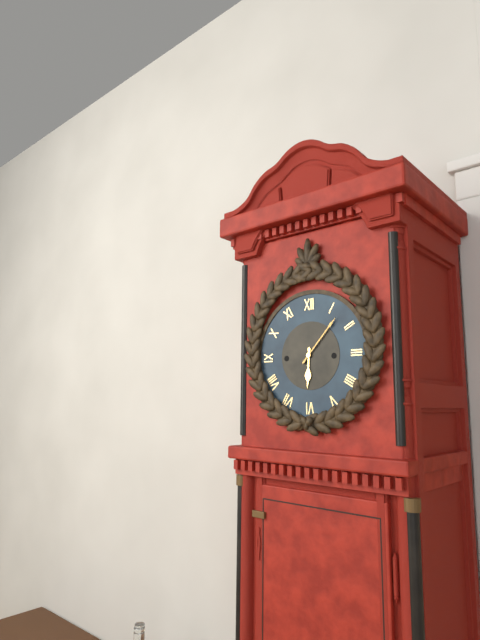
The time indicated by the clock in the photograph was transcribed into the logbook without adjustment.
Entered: 6:07
